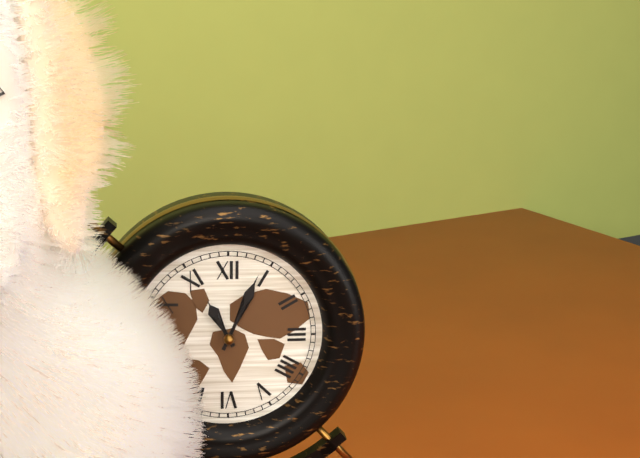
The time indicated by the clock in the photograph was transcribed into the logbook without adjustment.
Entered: 11:04
